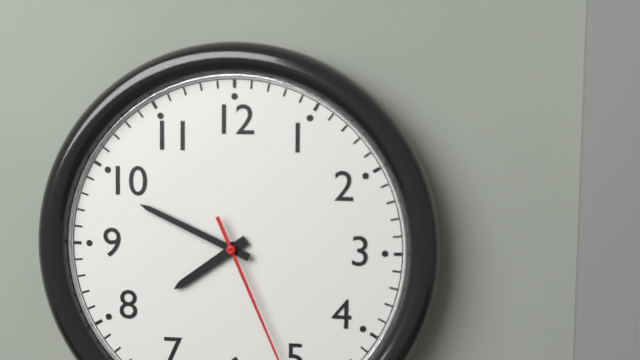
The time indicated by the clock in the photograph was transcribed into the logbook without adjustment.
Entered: 7:49
